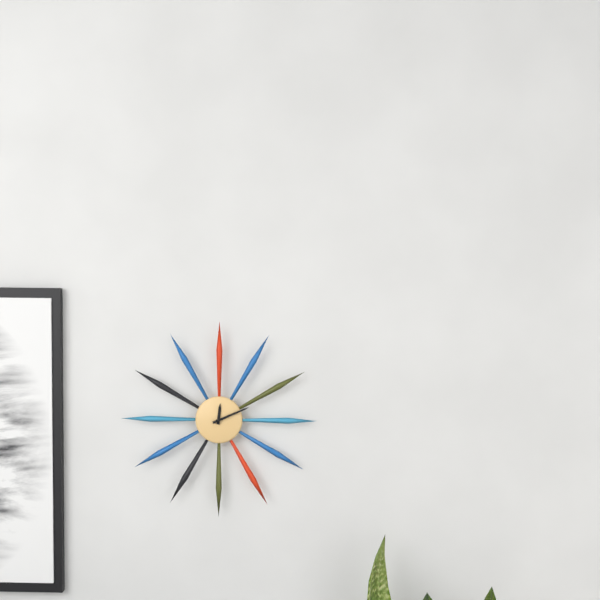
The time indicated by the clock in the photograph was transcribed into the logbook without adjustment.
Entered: 12:11
